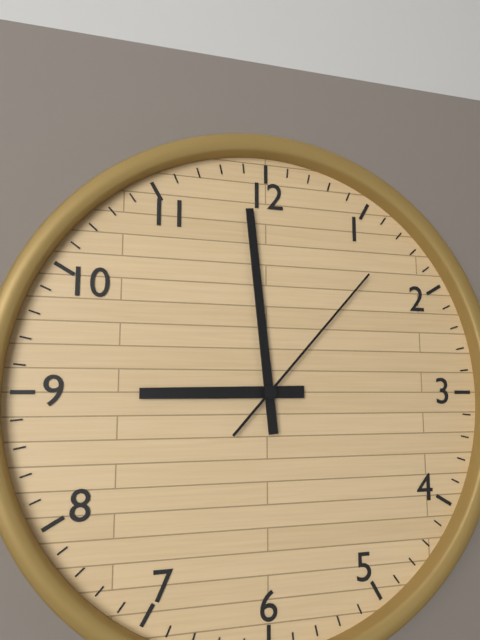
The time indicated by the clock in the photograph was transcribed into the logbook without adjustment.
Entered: 8:59:07
